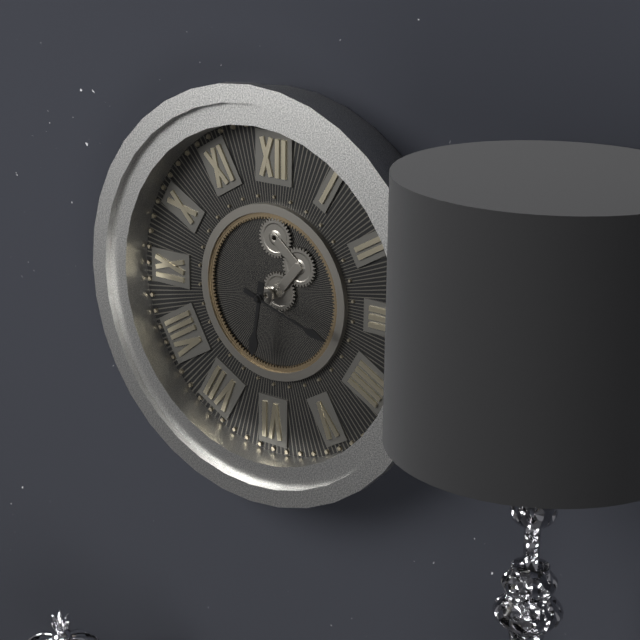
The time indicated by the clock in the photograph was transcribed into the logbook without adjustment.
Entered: 6:18
